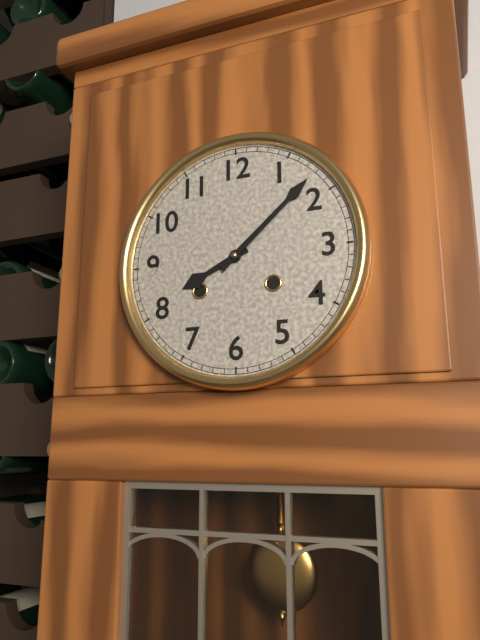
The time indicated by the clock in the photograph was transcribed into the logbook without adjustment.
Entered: 8:08
